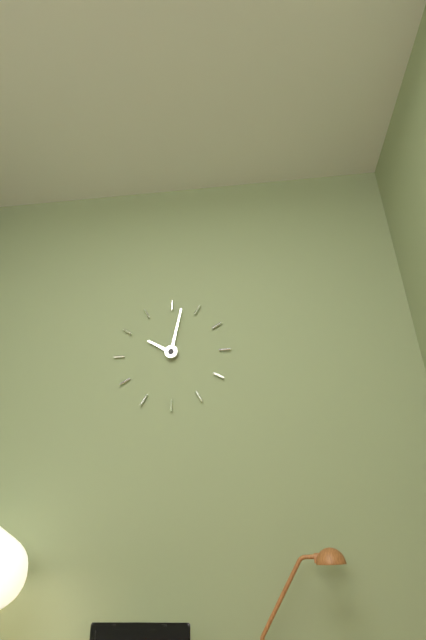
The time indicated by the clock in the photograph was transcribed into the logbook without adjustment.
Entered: 10:02
